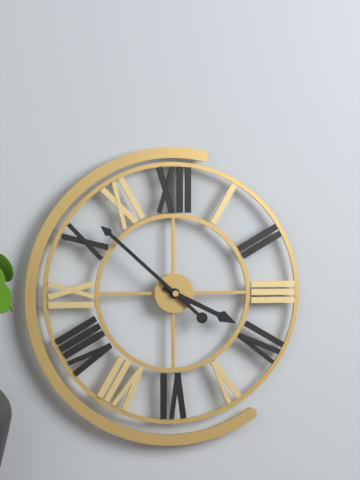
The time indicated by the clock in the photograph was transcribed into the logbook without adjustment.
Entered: 3:52
